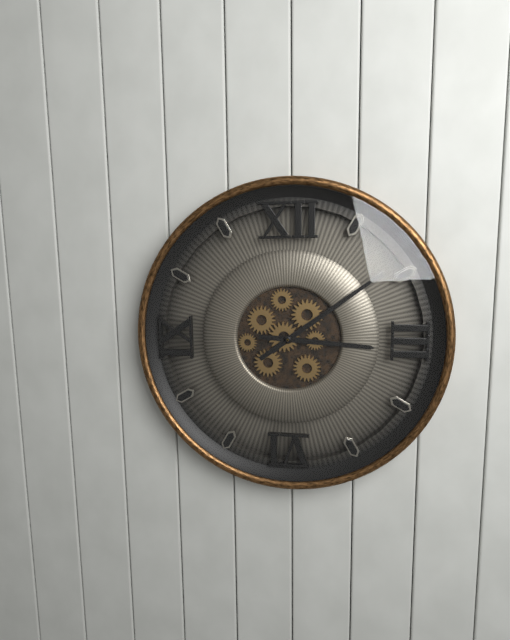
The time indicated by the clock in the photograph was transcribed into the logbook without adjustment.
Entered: 3:09
